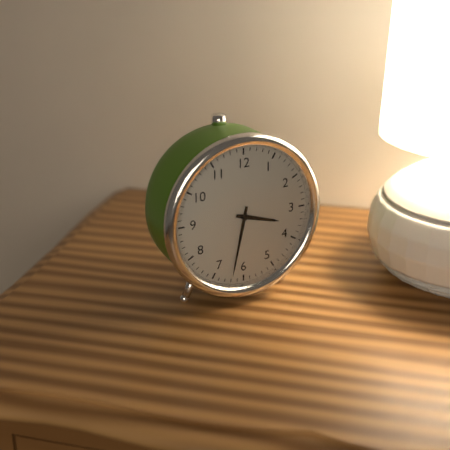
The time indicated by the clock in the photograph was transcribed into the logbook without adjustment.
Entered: 3:32
